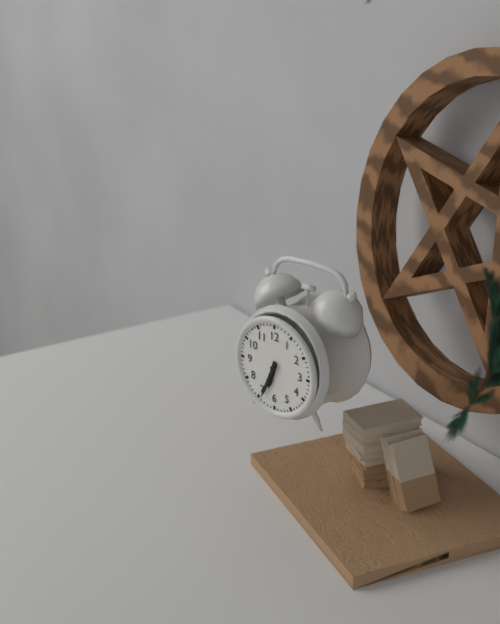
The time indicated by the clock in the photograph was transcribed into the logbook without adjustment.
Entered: 6:34
